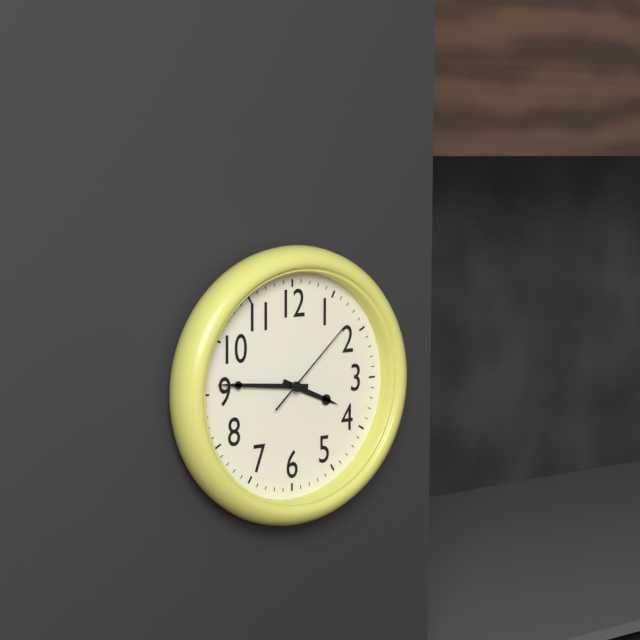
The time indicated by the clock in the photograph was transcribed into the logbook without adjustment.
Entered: 3:46:08
